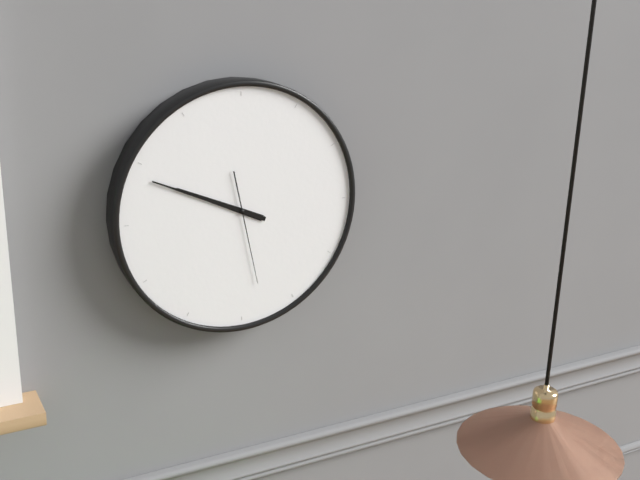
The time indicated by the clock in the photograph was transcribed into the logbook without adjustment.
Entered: 9:49:28
